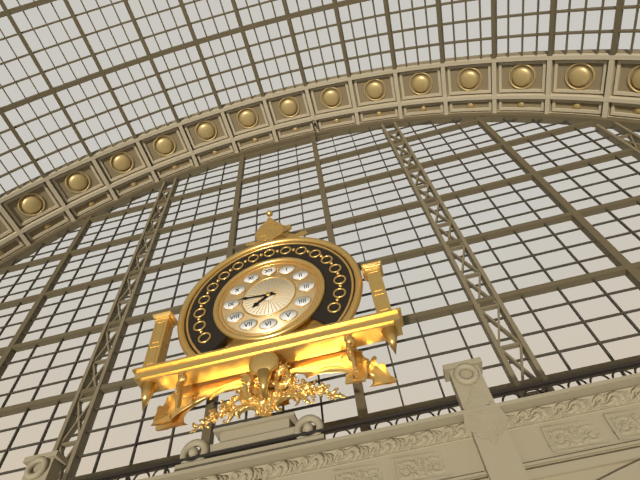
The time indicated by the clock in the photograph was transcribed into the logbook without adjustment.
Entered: 7:46
